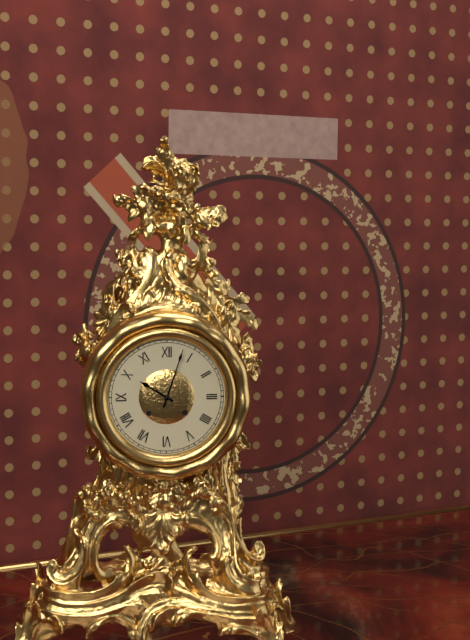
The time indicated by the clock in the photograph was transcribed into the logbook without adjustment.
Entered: 10:03
